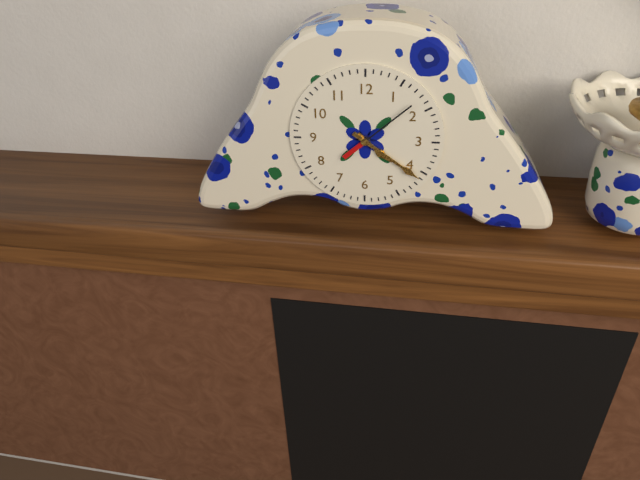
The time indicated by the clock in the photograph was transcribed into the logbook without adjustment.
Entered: 4:21:08
